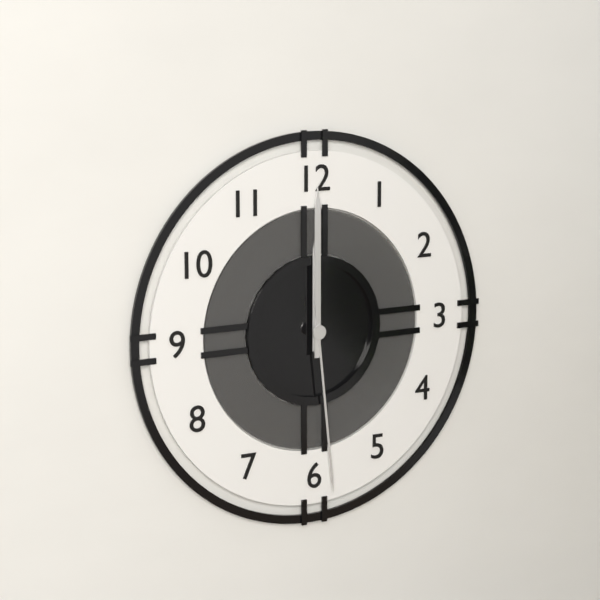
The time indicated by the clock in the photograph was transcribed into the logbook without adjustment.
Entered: 12:00:29
